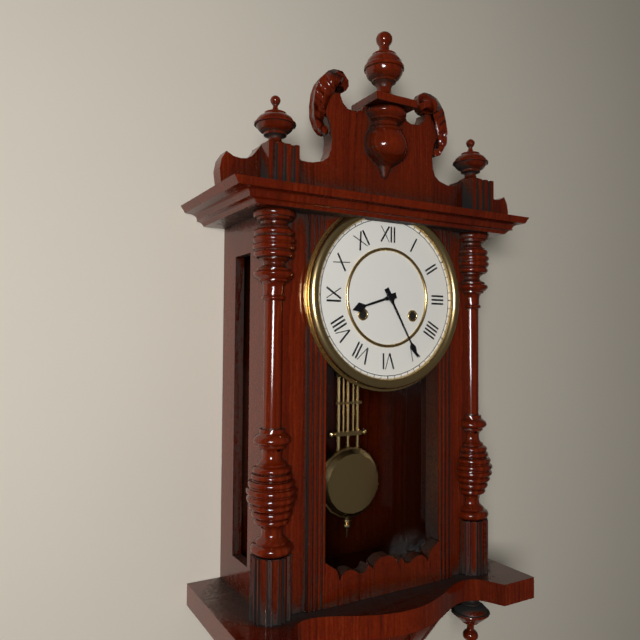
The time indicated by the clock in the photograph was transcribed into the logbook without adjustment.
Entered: 8:25
